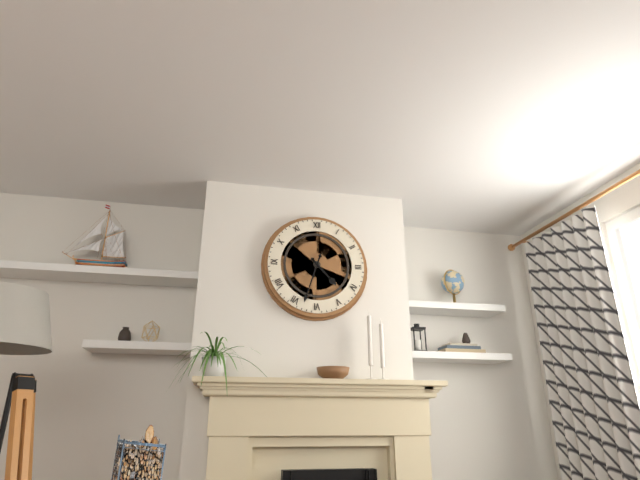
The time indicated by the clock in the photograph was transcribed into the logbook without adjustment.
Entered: 4:33
